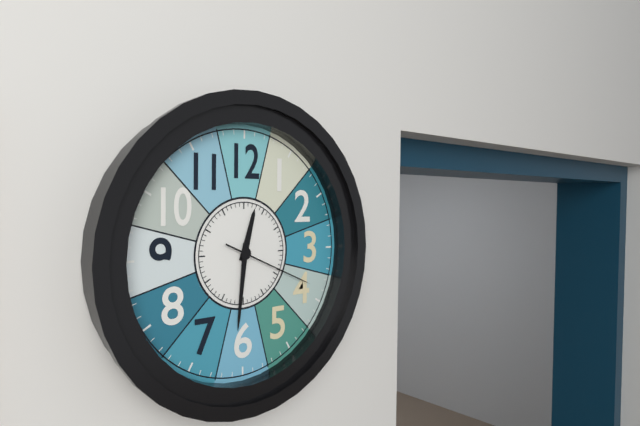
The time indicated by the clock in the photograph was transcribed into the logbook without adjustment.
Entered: 12:31:19
